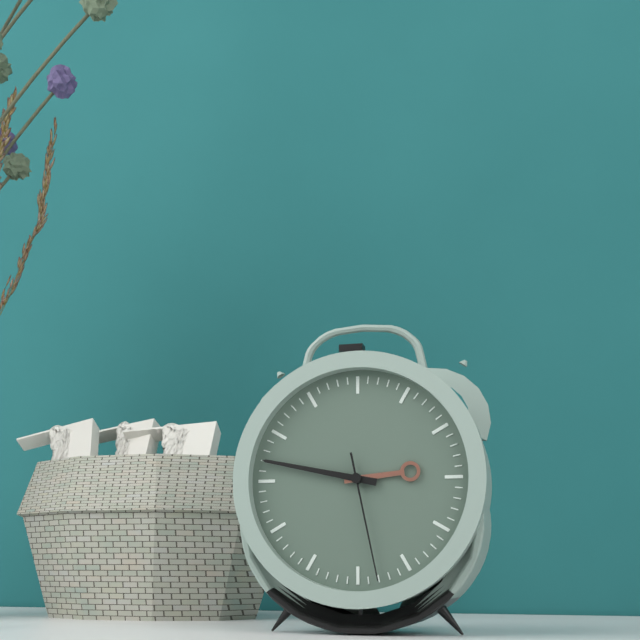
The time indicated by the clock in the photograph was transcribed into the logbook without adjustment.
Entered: 2:47:28
